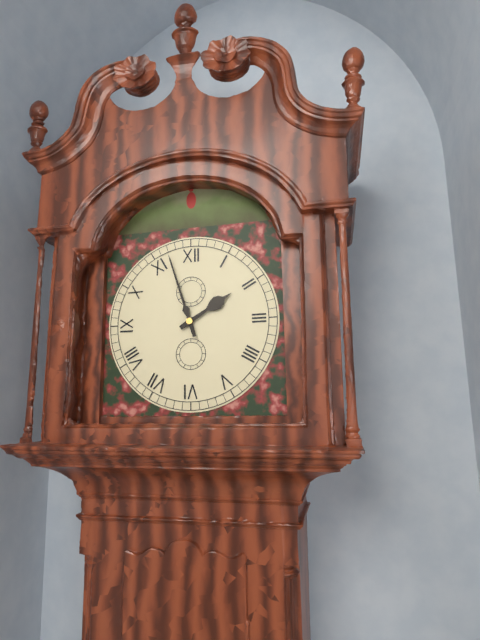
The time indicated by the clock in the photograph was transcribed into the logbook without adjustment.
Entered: 1:57
